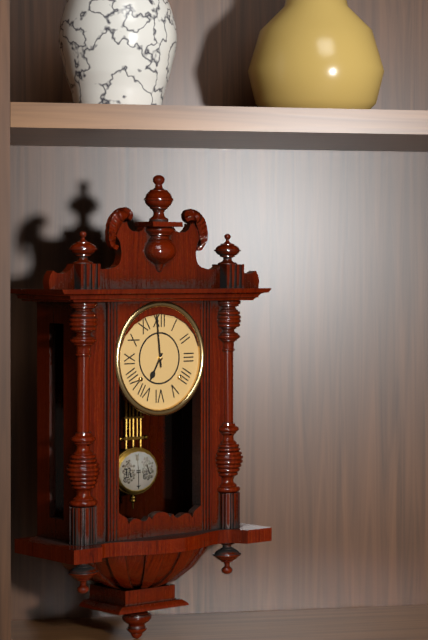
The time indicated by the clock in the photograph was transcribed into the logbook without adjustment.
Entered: 6:59
